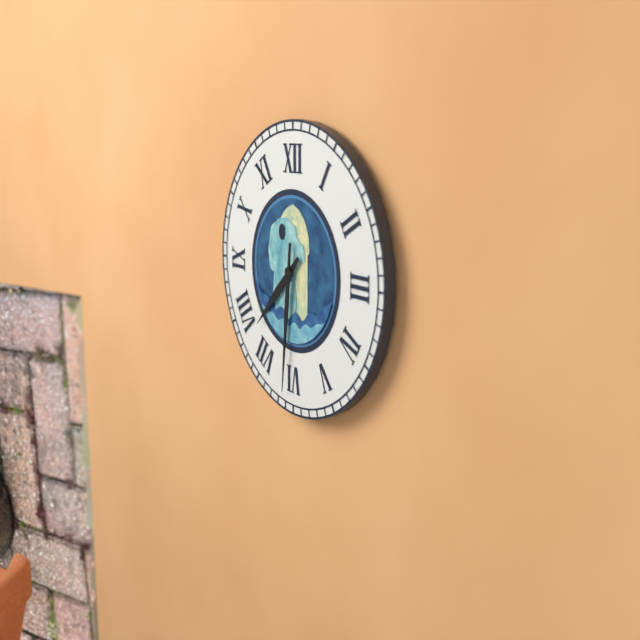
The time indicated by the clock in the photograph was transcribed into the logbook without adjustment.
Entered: 7:31
